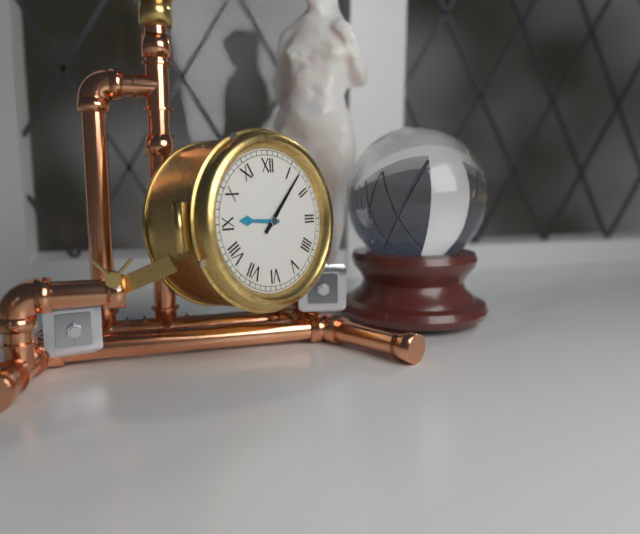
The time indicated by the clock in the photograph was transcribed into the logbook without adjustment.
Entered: 9:07
